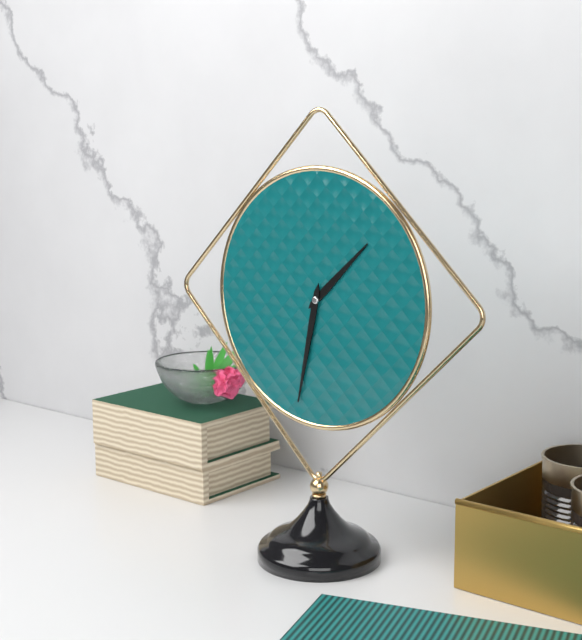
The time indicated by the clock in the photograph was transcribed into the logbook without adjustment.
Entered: 1:32
